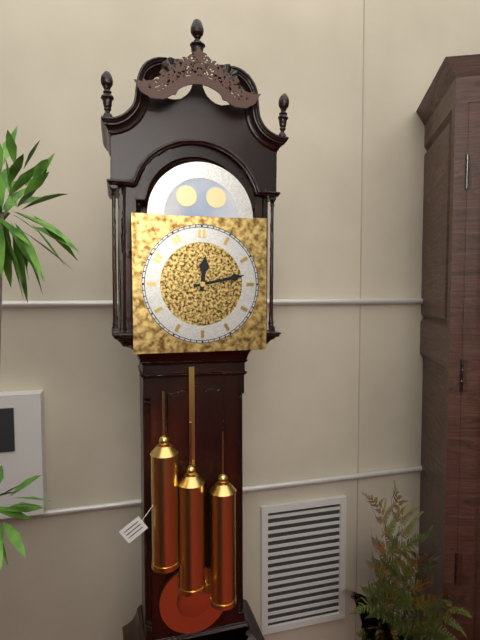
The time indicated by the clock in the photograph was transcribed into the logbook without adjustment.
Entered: 12:13
